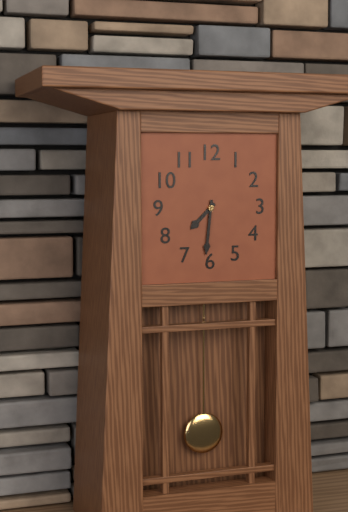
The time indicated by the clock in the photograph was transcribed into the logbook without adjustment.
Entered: 7:31
